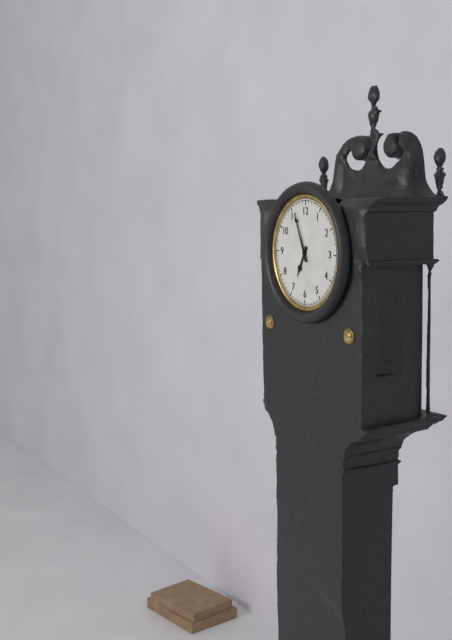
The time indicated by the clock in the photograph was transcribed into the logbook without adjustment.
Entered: 6:56
